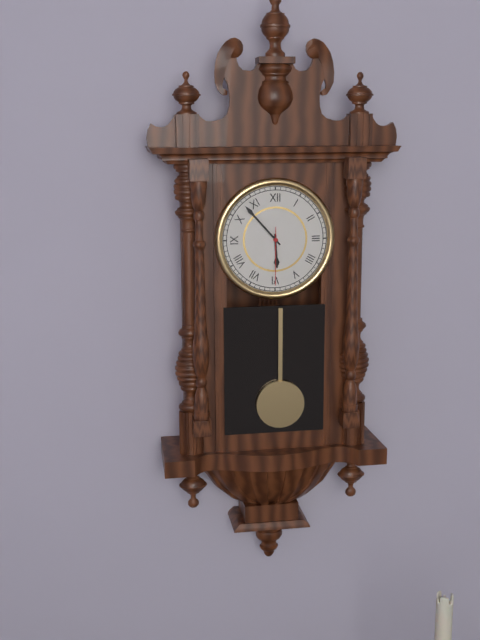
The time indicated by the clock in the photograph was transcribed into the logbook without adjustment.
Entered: 5:53:30
